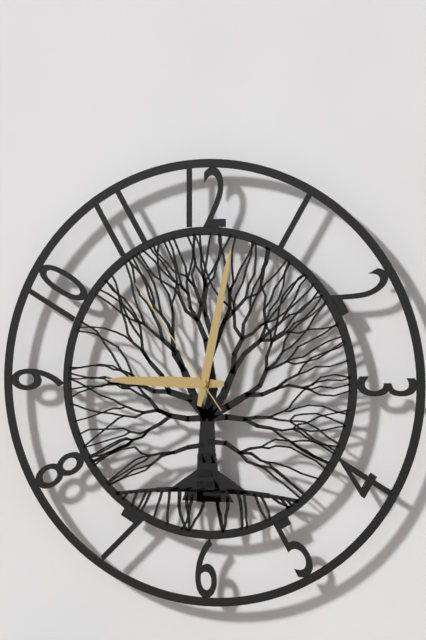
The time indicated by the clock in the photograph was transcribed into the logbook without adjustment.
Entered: 9:02:54
